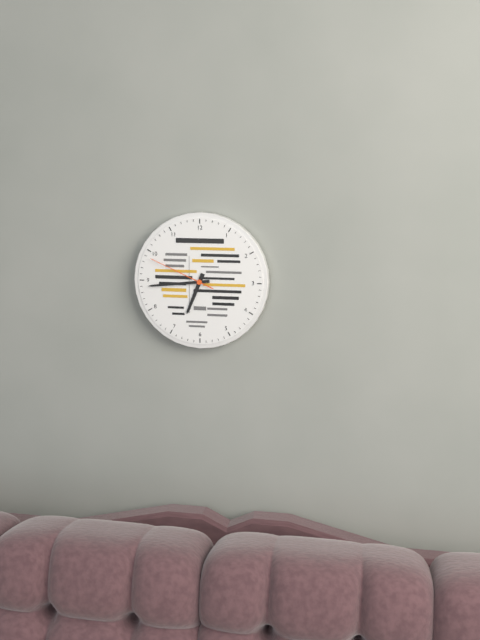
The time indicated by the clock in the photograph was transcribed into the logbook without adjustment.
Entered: 6:44:49
